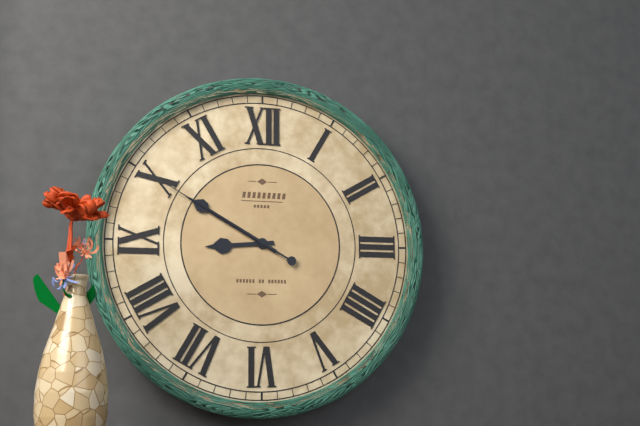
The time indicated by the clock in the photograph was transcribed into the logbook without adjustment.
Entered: 8:50:50
